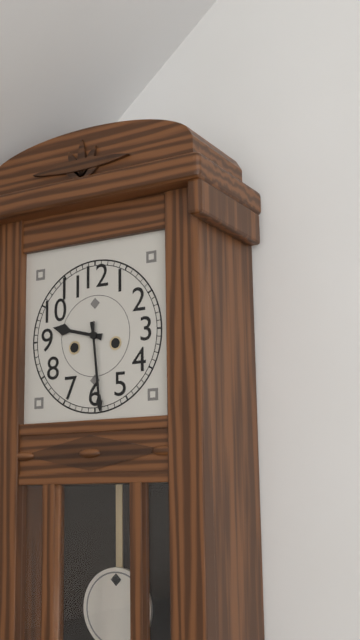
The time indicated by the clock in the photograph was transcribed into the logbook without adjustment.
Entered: 9:29
